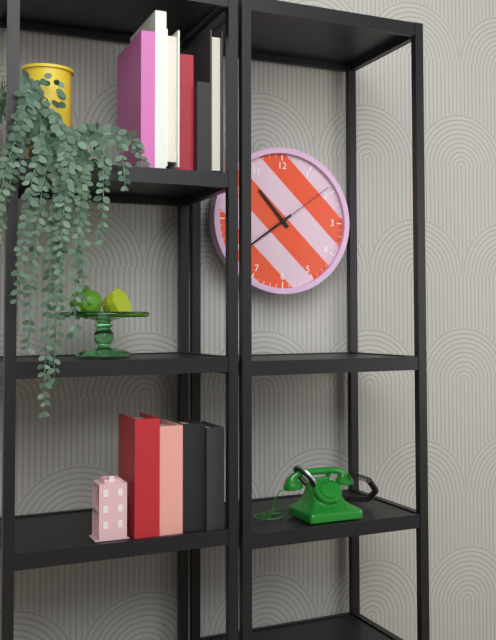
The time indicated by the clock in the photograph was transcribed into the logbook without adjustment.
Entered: 10:39:09
